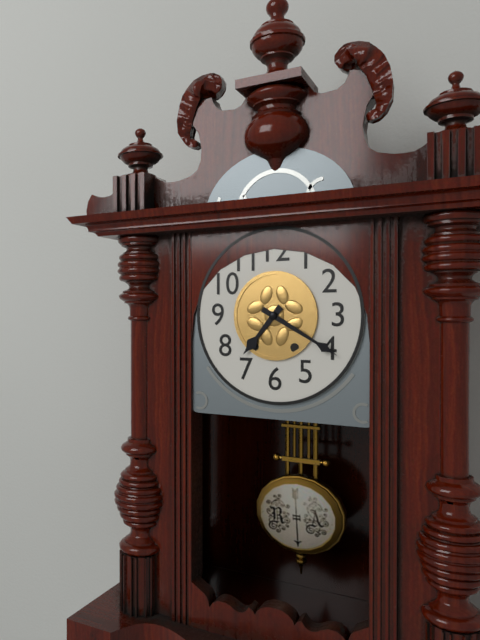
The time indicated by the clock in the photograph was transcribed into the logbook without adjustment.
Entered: 7:20
